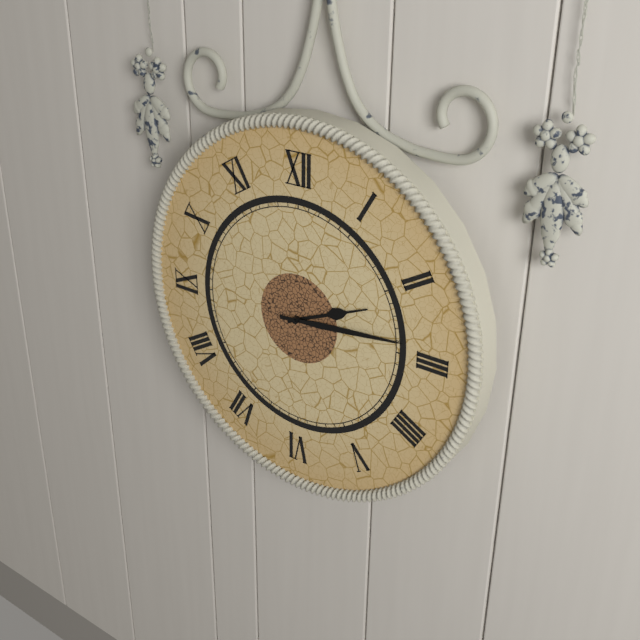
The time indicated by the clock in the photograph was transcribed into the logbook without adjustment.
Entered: 2:14
